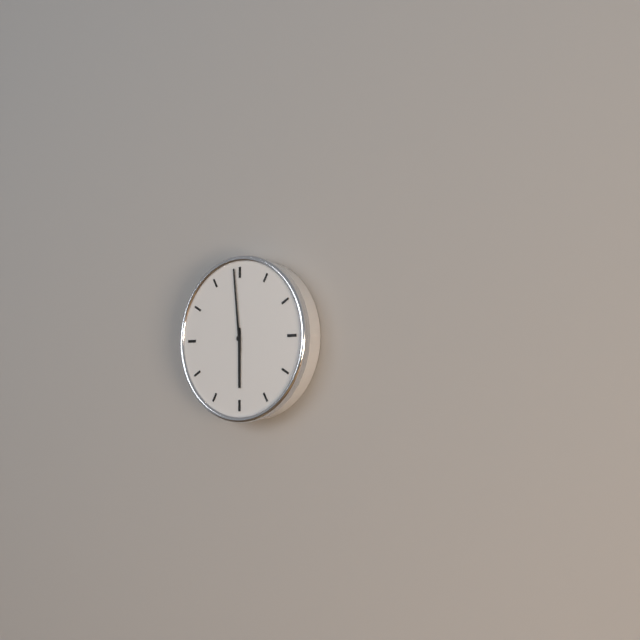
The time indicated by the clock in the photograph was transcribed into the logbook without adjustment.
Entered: 5:59
